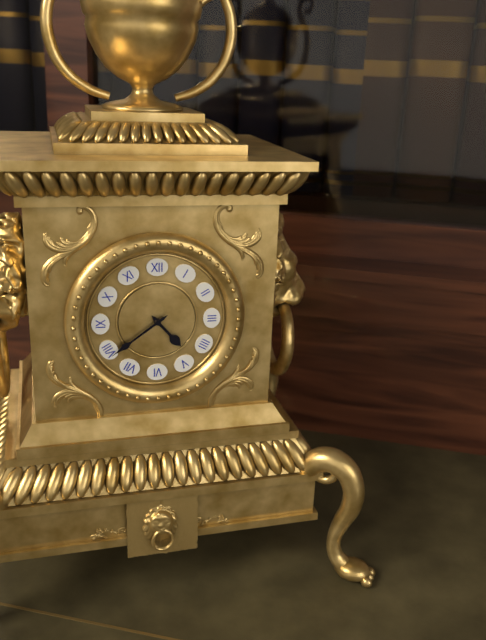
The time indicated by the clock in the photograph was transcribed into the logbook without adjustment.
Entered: 4:39
